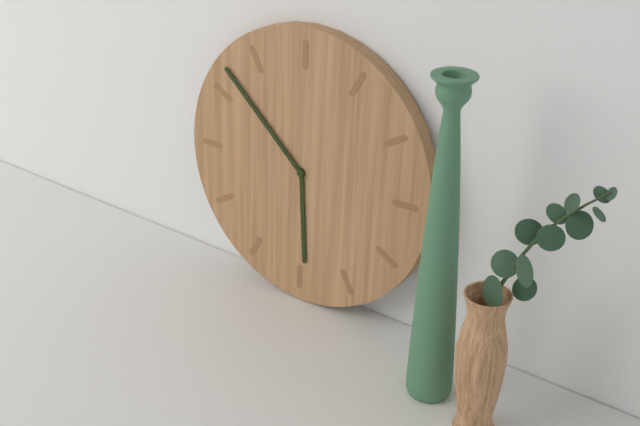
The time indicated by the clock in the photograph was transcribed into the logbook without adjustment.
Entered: 5:52
